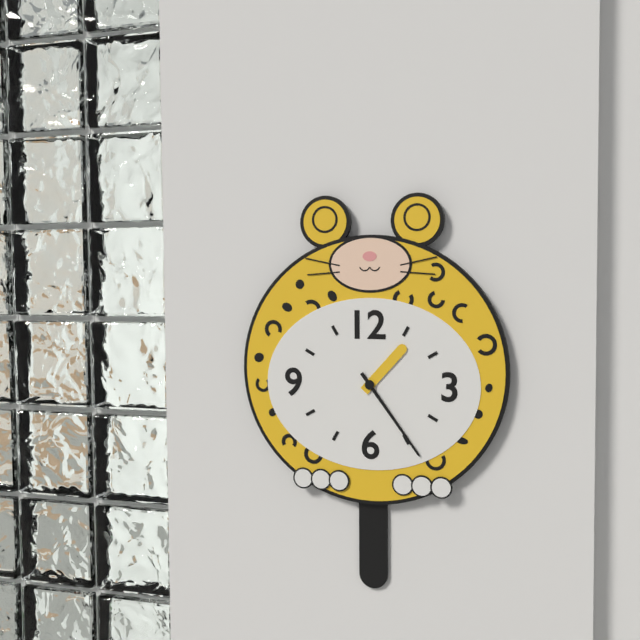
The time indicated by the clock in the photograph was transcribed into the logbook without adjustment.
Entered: 1:24
